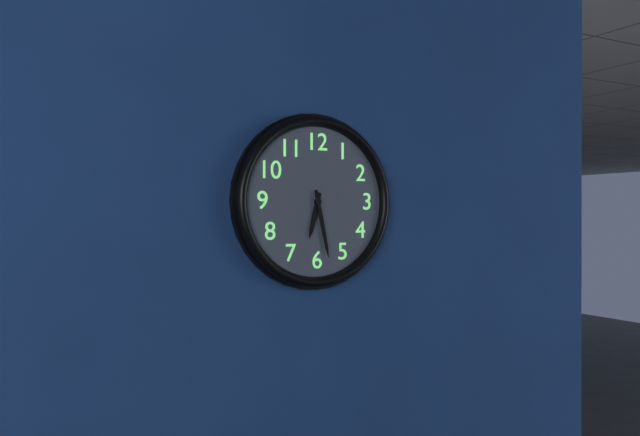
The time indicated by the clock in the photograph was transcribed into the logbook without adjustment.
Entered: 6:28
